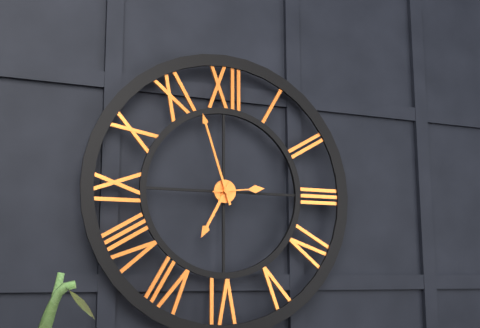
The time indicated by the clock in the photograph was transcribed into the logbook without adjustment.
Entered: 6:57:14
